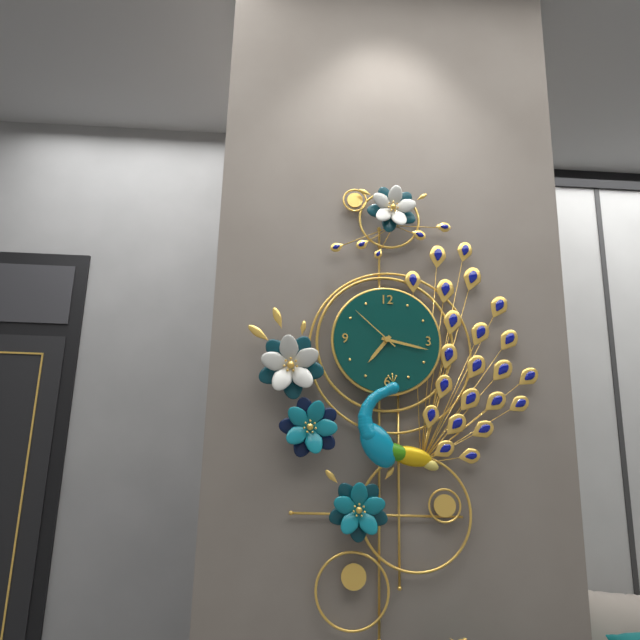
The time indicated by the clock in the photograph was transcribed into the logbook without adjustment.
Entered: 7:17:52
